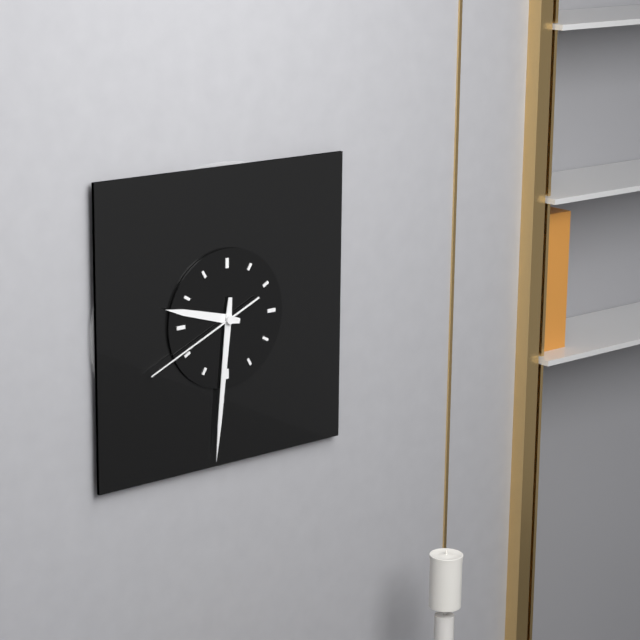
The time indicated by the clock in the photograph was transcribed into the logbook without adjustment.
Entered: 9:31:41
